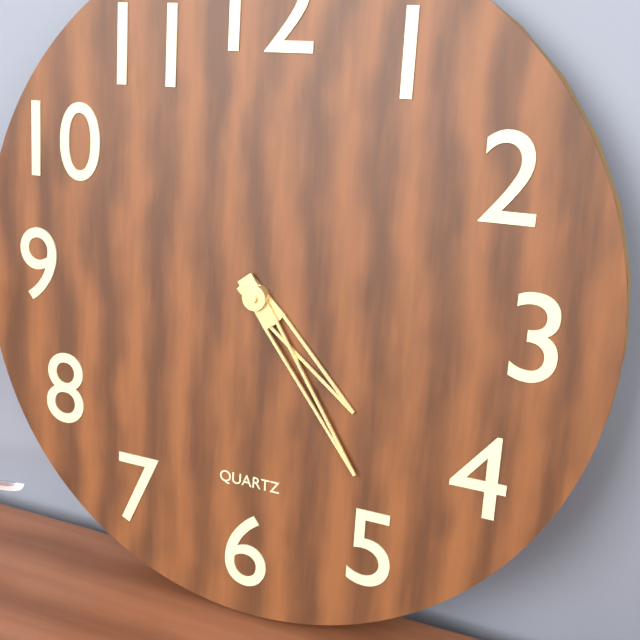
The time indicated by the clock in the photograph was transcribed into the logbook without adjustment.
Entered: 4:24
